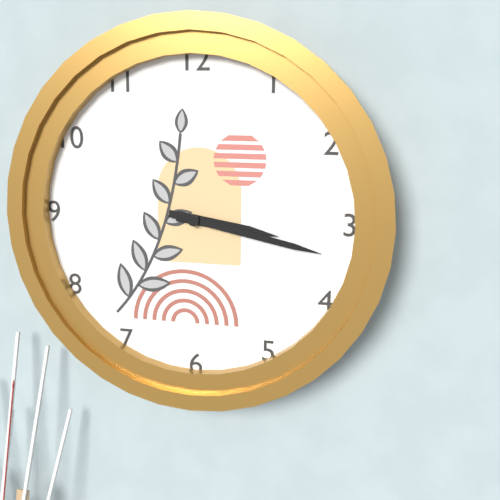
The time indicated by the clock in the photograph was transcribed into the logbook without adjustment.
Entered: 3:17
